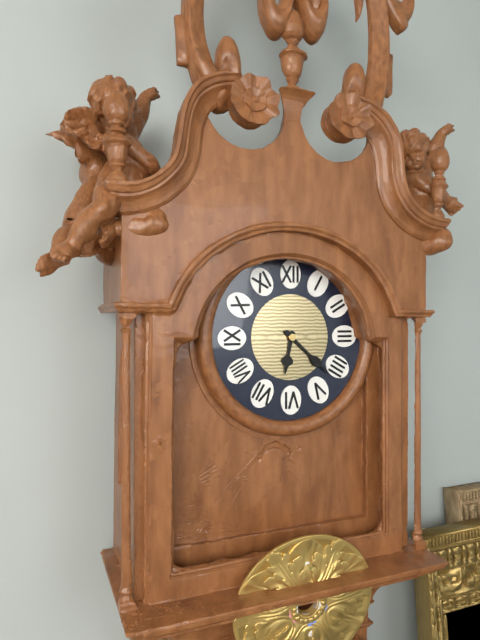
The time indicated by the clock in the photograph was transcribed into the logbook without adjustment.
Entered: 6:22
